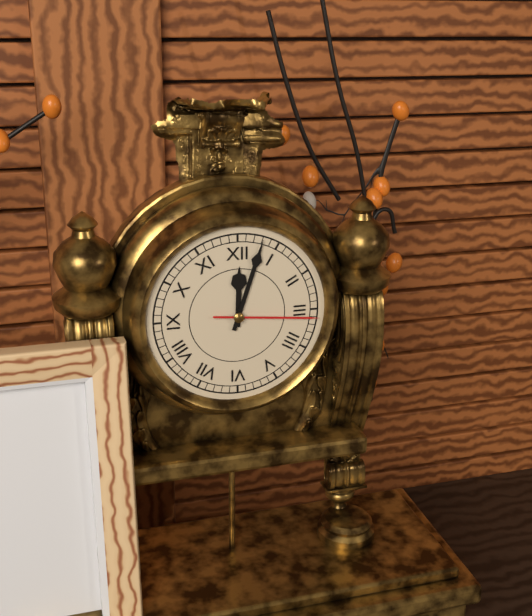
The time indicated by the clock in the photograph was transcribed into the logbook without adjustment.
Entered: 12:03:16
